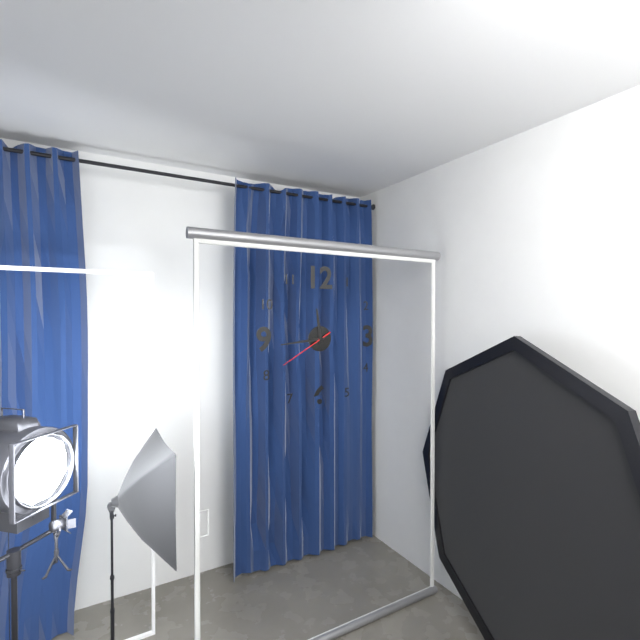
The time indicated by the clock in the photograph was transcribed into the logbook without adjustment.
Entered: 11:44:40
